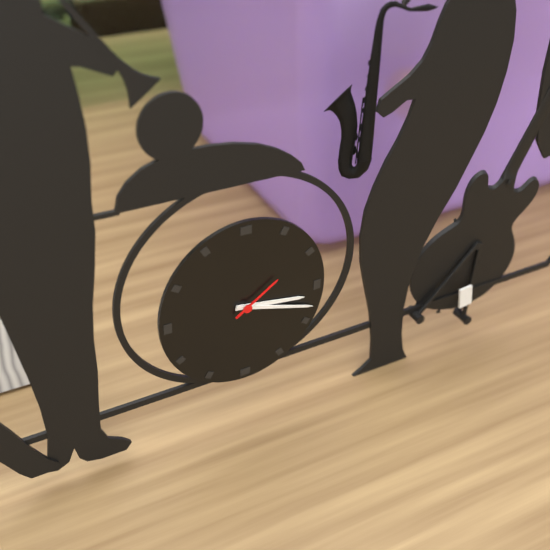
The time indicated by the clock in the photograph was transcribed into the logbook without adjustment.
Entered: 3:18:09
